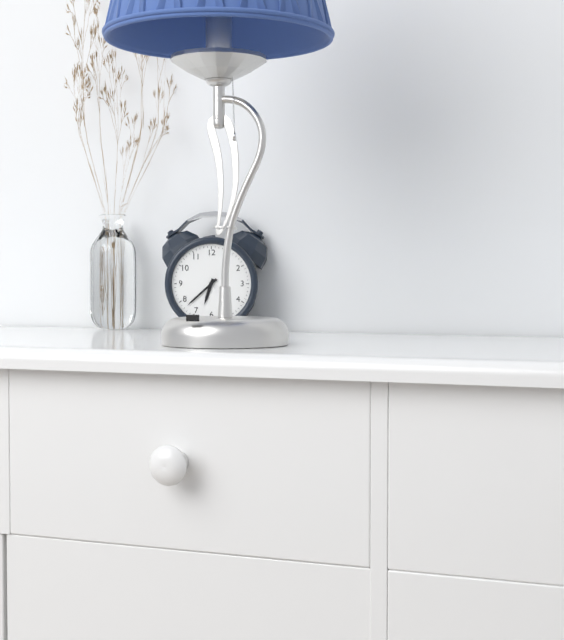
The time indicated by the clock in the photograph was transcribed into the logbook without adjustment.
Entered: 6:38
